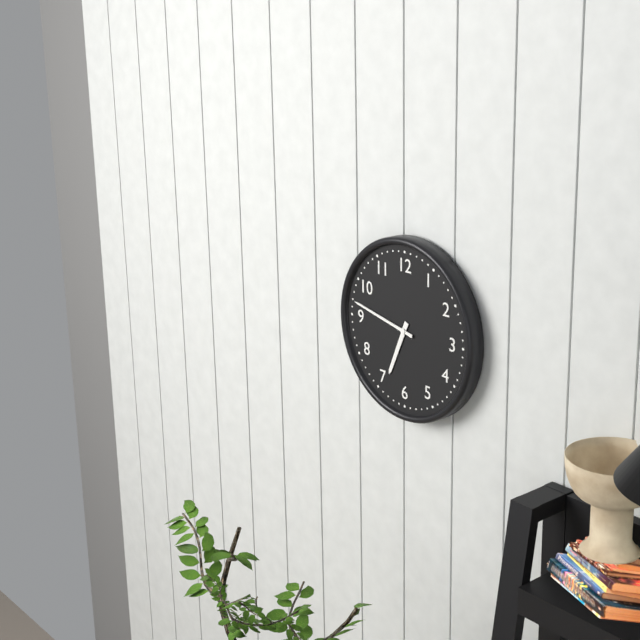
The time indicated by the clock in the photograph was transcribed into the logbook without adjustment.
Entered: 6:47
